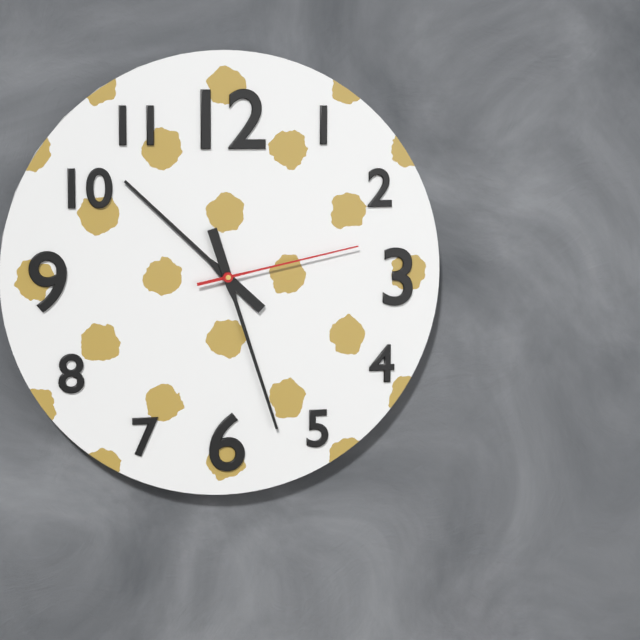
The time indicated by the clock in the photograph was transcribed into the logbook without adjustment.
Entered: 10:27:13
